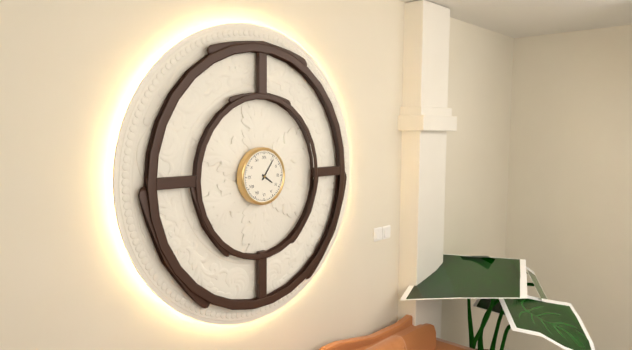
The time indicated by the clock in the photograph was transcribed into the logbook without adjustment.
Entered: 4:06
